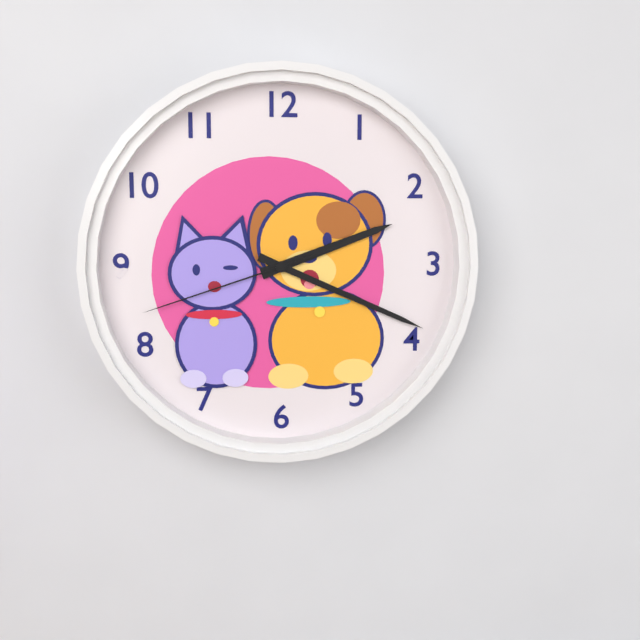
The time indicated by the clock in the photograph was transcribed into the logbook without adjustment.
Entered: 2:19:42
